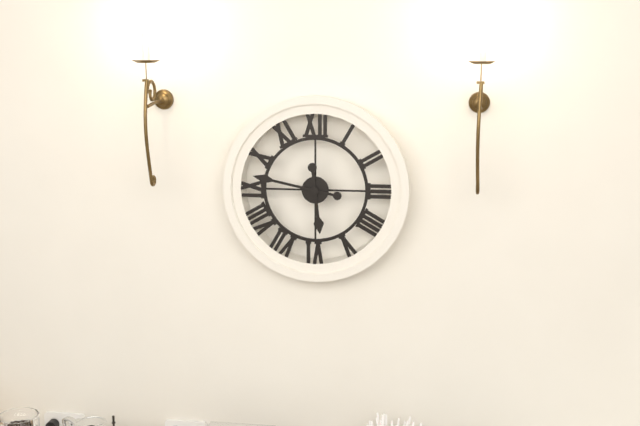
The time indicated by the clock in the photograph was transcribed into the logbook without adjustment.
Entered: 5:47
